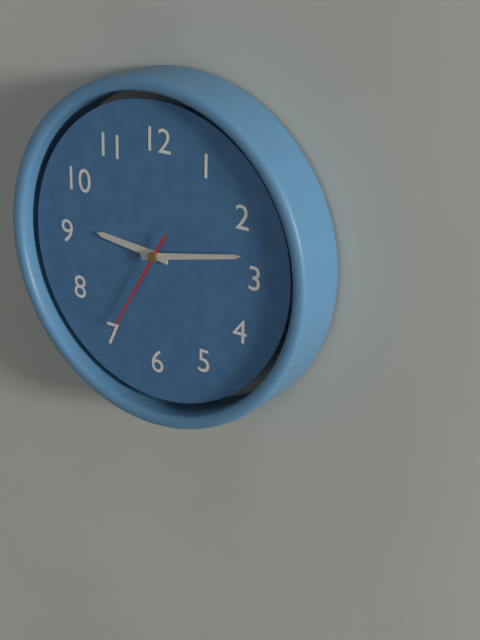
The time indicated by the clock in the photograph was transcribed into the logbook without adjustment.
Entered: 9:13:35
